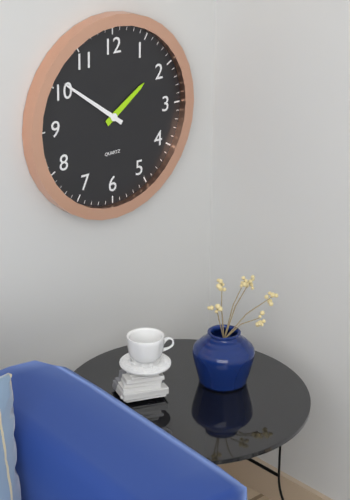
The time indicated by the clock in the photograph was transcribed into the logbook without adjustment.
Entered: 1:51
